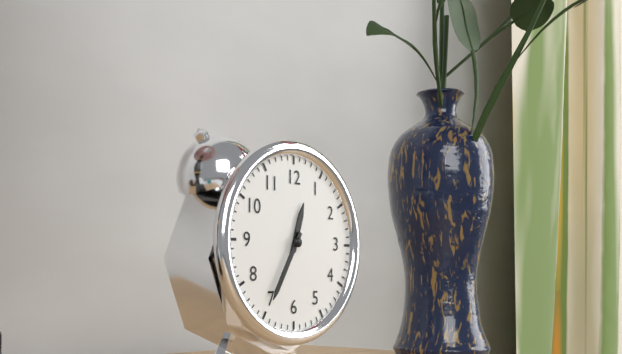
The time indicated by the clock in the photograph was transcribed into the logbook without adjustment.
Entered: 12:35
